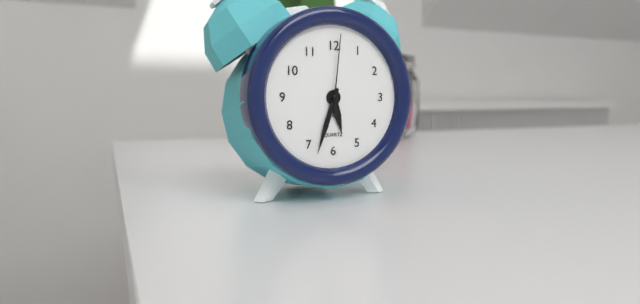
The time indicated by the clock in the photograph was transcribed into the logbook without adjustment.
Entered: 5:33:01
